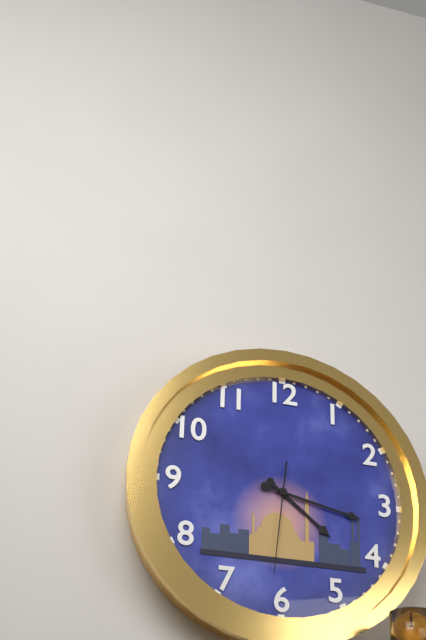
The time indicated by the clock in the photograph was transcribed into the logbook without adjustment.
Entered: 4:17:31
